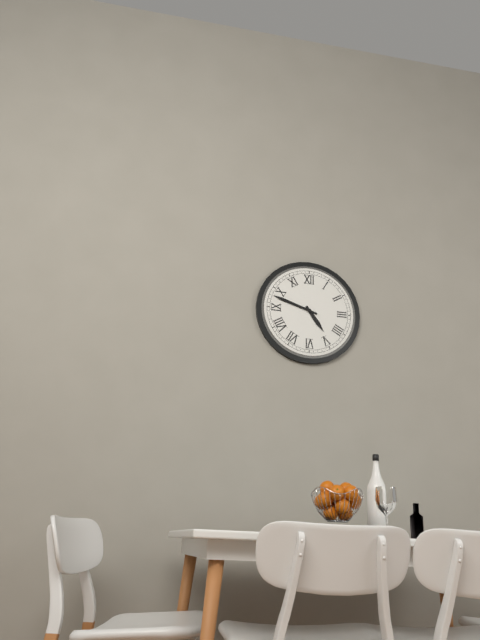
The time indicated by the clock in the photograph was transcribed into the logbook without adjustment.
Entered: 4:48
